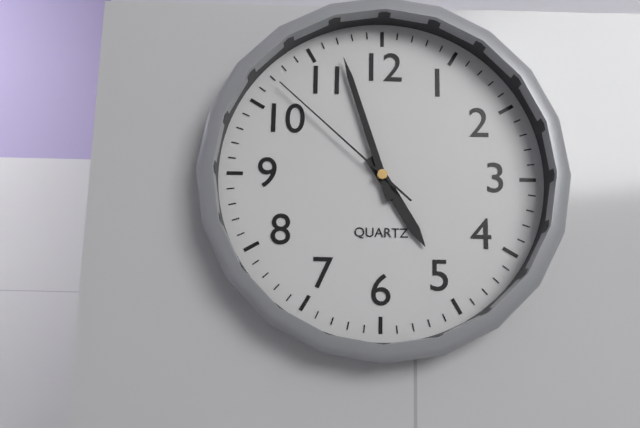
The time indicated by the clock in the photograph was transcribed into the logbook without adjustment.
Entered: 4:57:52
